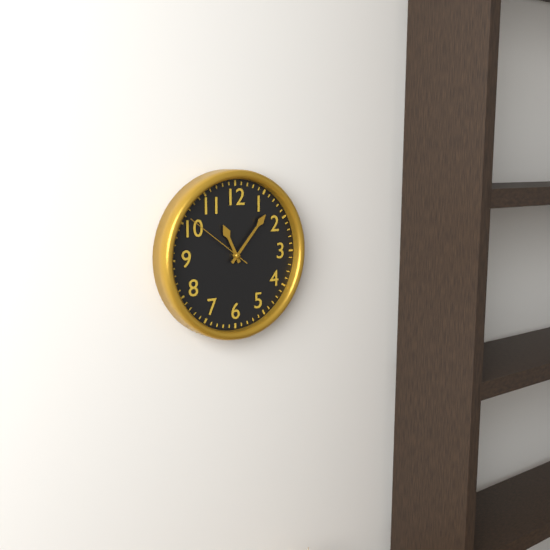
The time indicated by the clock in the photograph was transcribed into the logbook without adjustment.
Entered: 11:07:51
